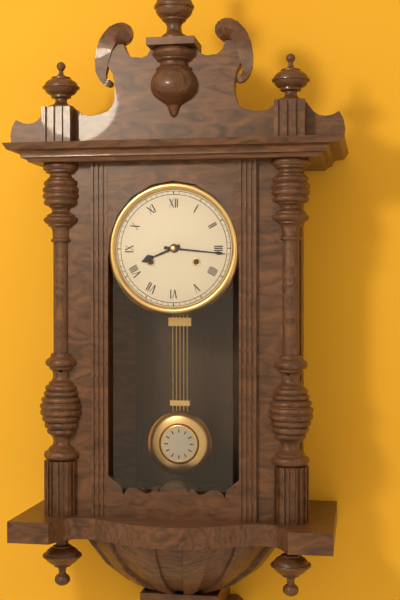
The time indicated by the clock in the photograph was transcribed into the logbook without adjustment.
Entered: 8:16
